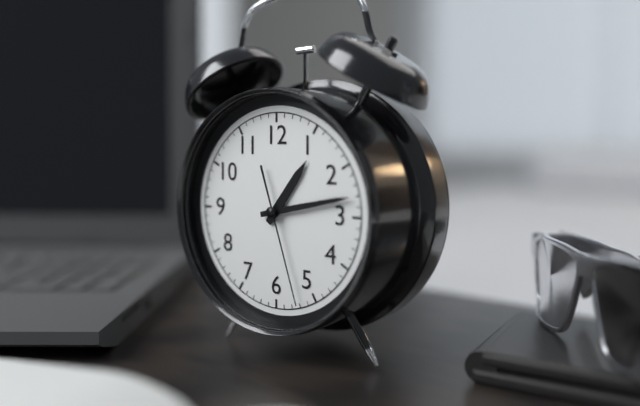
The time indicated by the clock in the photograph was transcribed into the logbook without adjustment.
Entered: 1:13:27
